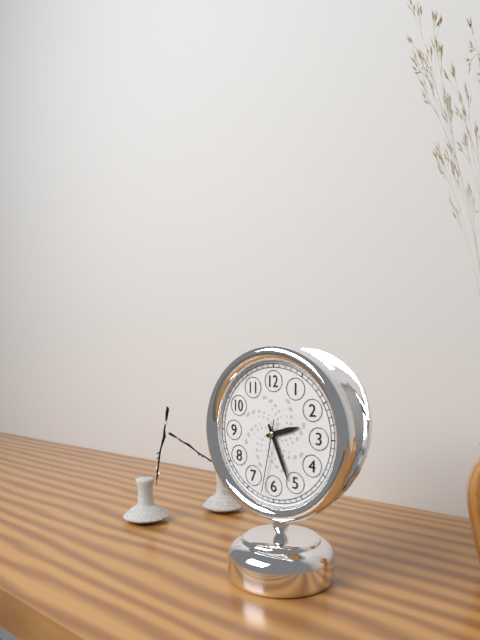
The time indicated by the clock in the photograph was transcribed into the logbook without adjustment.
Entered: 2:26:32
